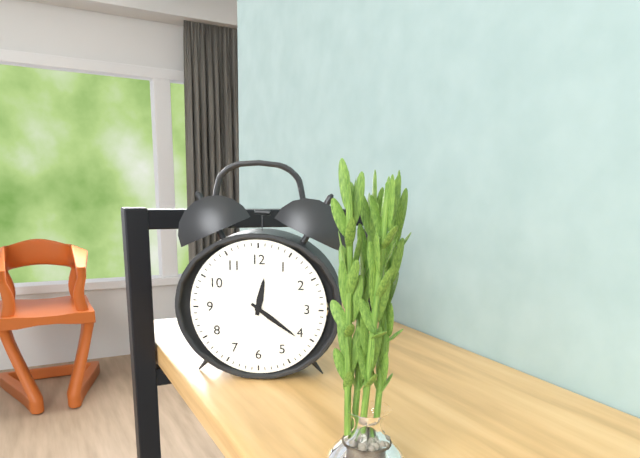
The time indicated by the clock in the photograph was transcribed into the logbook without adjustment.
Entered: 12:21
